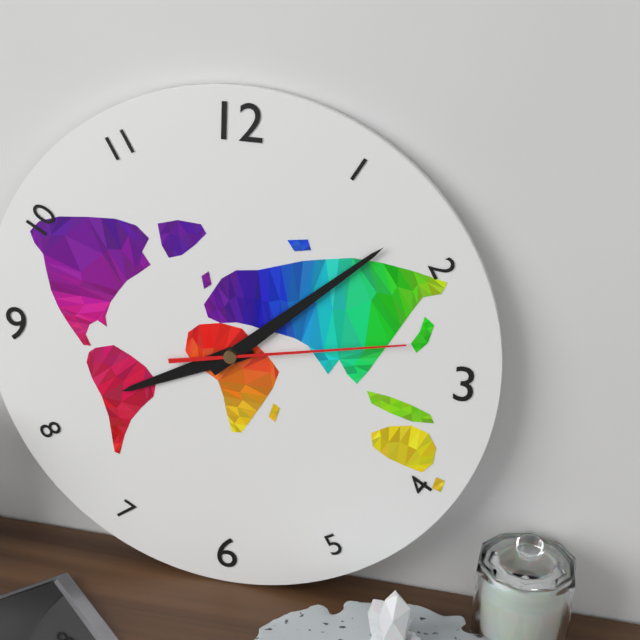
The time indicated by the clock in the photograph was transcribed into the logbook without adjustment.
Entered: 8:08:13
